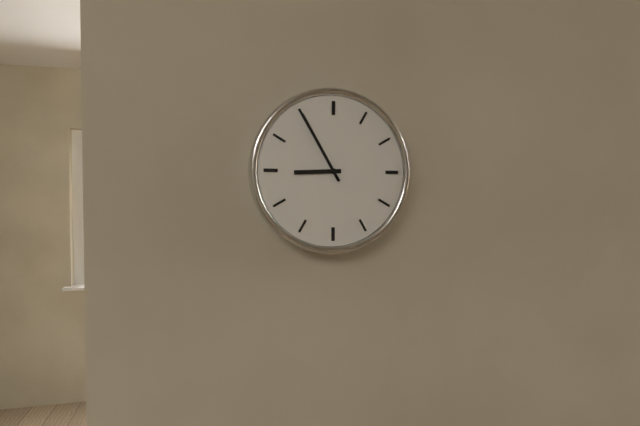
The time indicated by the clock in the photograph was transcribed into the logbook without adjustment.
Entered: 8:55
